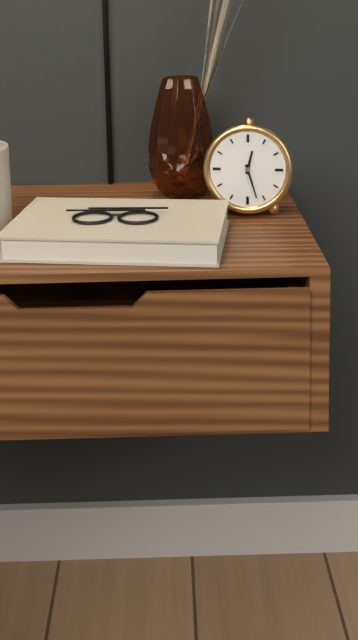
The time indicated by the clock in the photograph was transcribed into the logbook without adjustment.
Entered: 12:27
